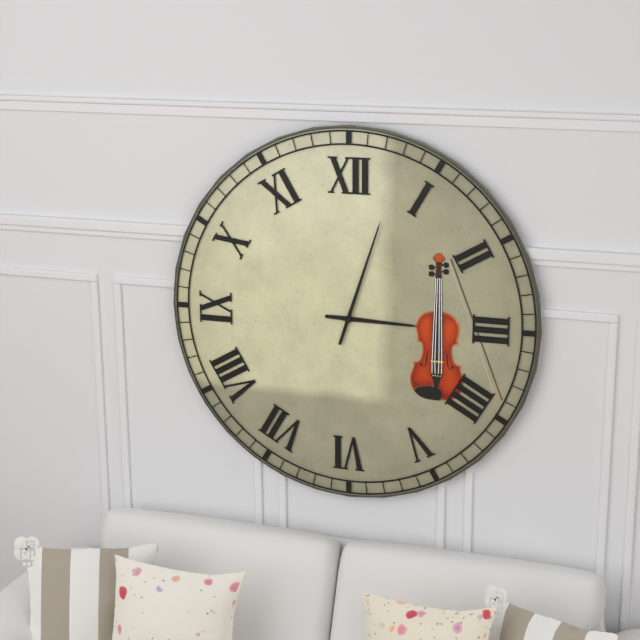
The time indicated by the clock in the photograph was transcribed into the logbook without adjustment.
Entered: 3:03
